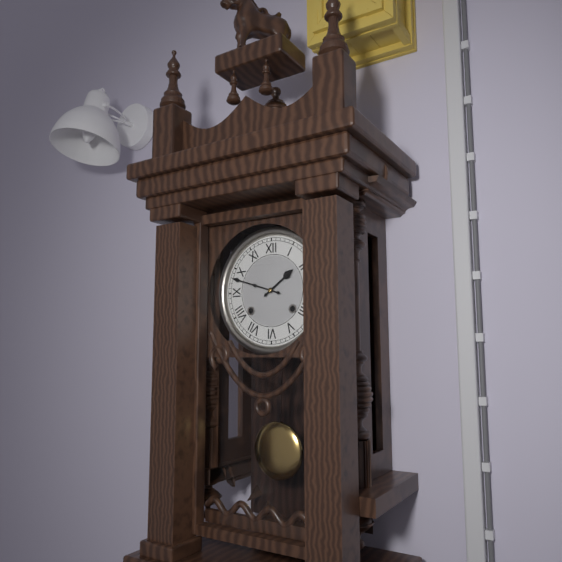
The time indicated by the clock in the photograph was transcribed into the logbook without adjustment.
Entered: 1:48
